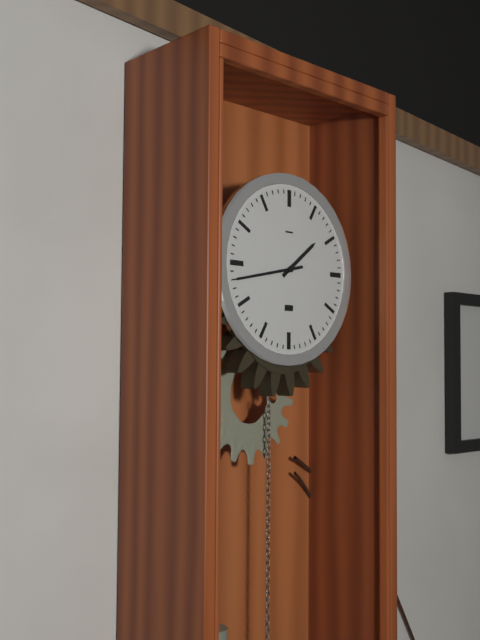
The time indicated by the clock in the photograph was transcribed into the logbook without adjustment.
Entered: 1:43
